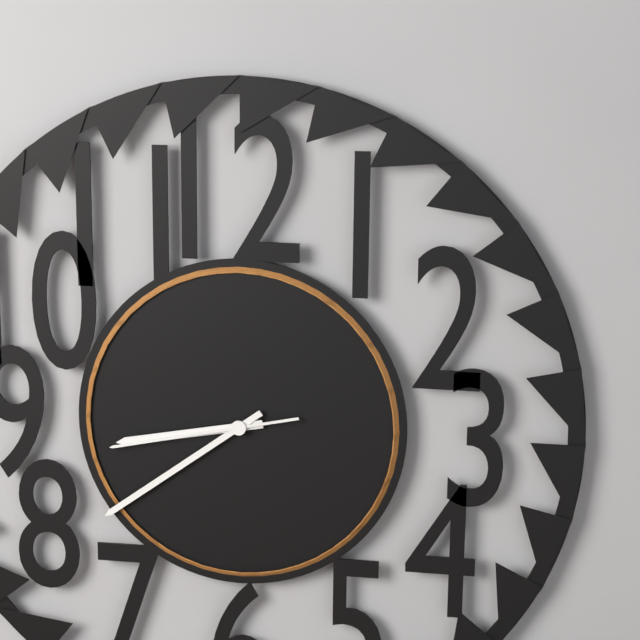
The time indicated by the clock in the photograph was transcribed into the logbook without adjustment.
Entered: 8:39:43
